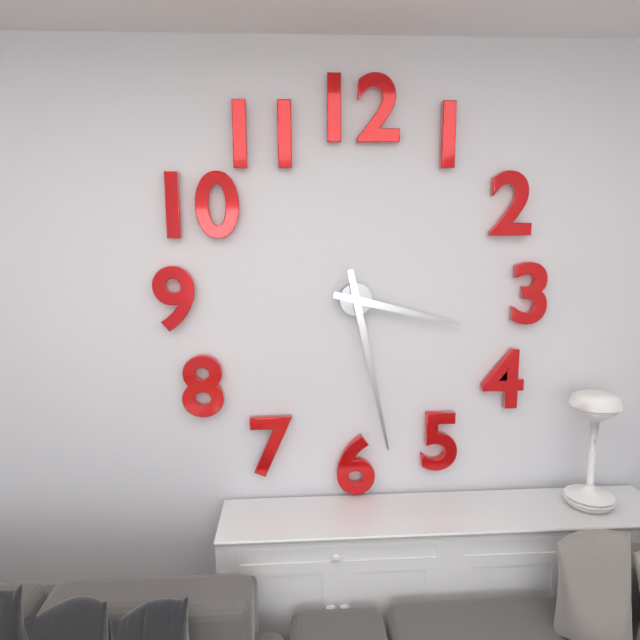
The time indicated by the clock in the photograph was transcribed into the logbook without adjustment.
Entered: 3:28
